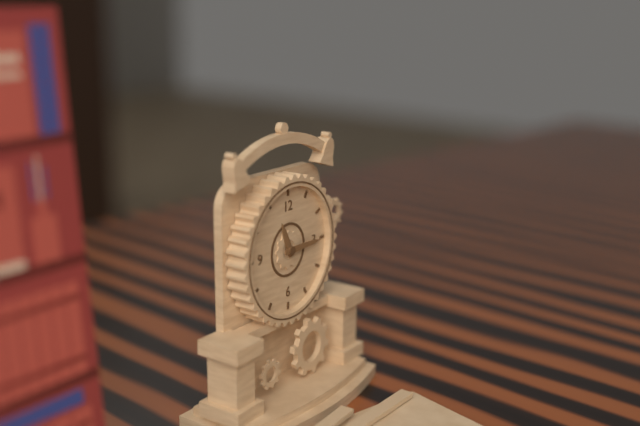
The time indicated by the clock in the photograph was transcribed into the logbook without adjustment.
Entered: 11:15
